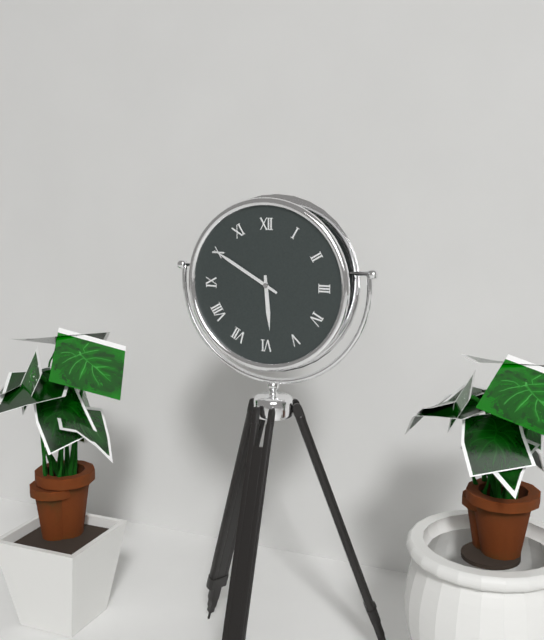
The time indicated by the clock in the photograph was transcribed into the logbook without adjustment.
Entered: 5:50
